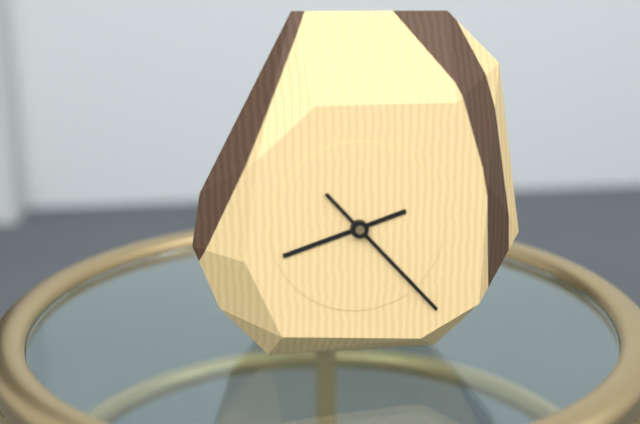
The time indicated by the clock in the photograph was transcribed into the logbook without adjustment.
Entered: 8:23
